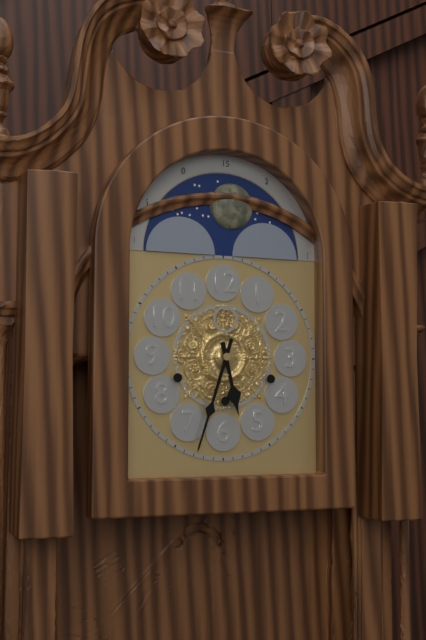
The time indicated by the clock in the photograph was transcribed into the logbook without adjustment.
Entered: 5:33
